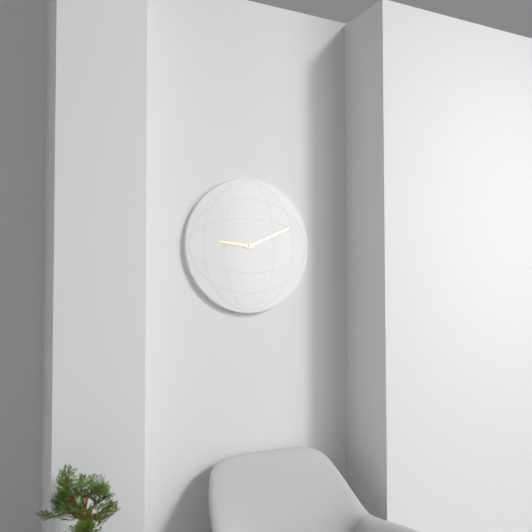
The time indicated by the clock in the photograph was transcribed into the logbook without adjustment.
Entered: 9:11
